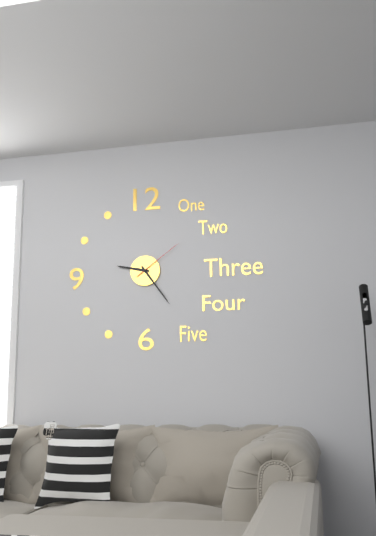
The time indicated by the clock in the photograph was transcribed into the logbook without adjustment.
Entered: 9:24:09
